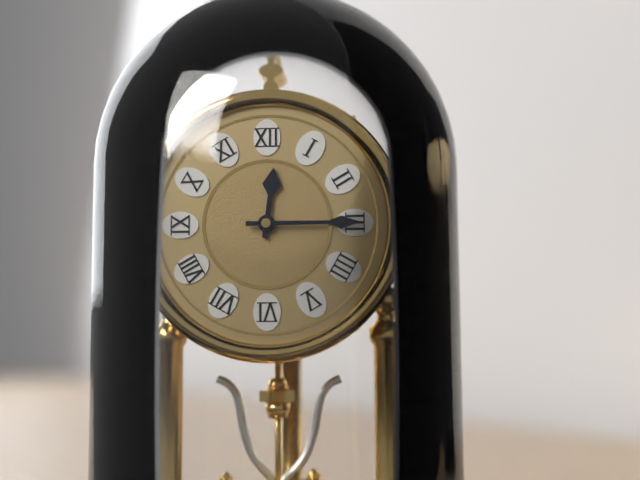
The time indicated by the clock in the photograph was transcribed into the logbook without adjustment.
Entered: 12:15
